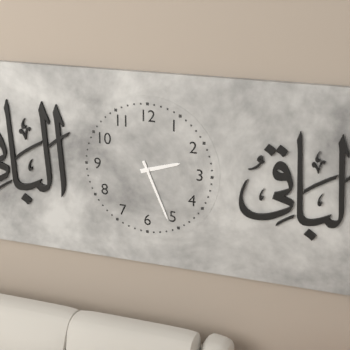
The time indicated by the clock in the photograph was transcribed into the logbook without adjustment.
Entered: 2:26
